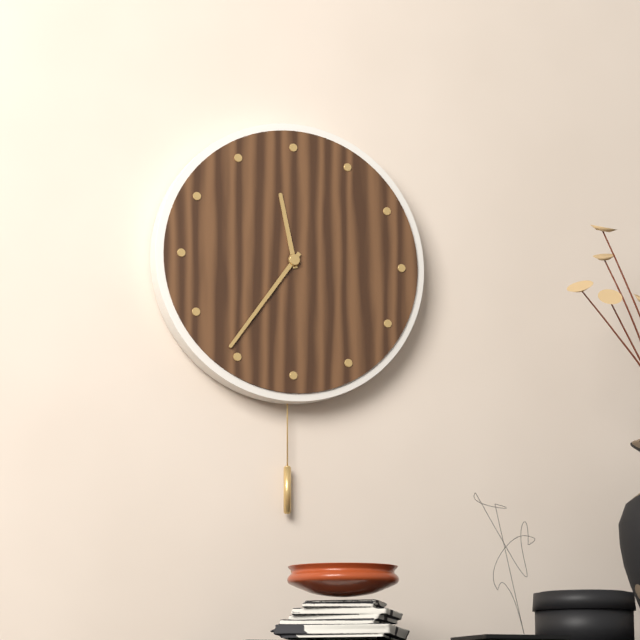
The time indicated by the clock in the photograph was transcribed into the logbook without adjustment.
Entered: 11:36
